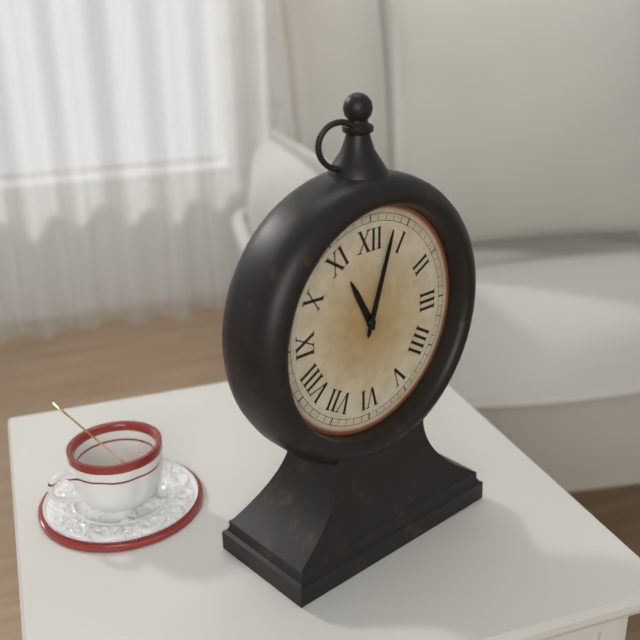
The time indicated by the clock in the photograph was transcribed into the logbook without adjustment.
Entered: 11:03
